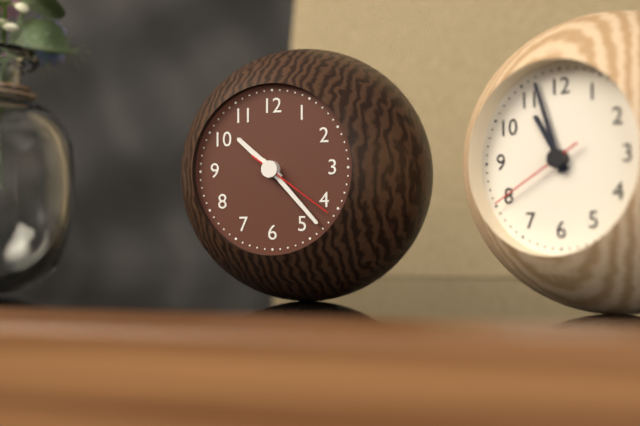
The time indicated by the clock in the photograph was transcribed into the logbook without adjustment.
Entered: 10:23:21
